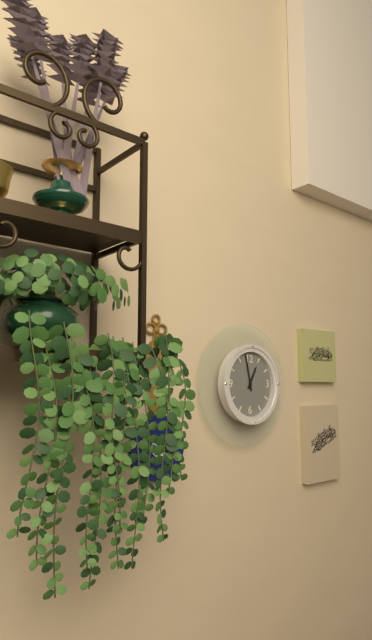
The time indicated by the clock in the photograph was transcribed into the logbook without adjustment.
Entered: 12:58
